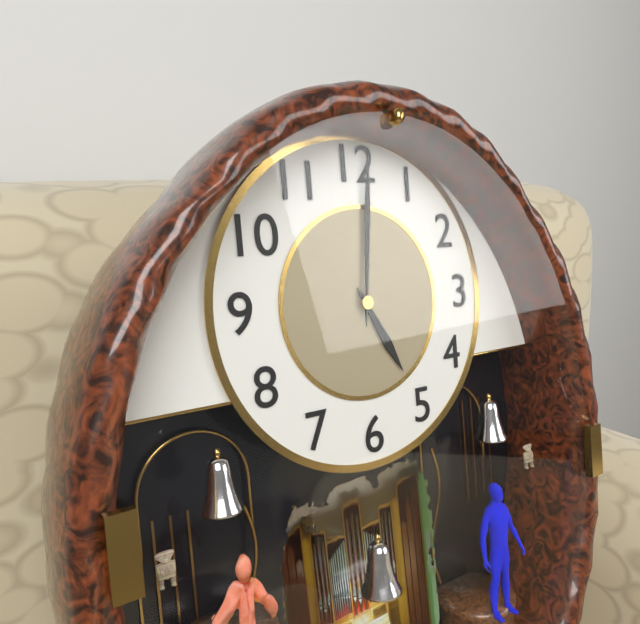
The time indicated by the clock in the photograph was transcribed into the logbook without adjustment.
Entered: 5:01
